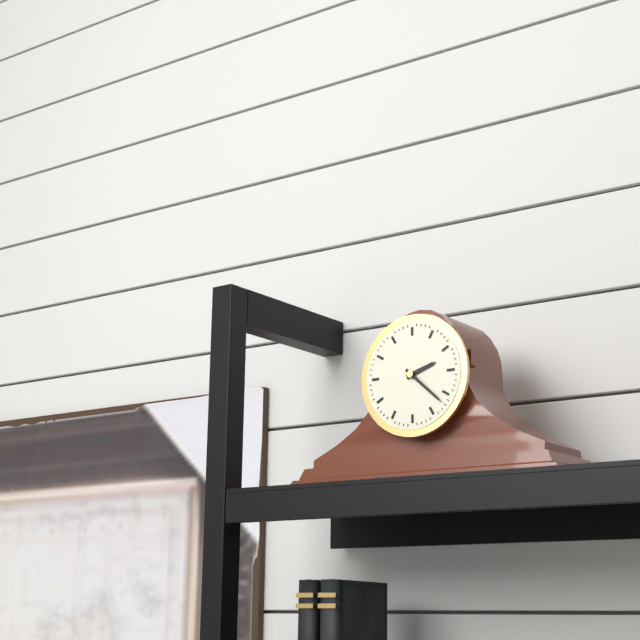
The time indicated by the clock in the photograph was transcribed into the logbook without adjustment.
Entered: 2:22
